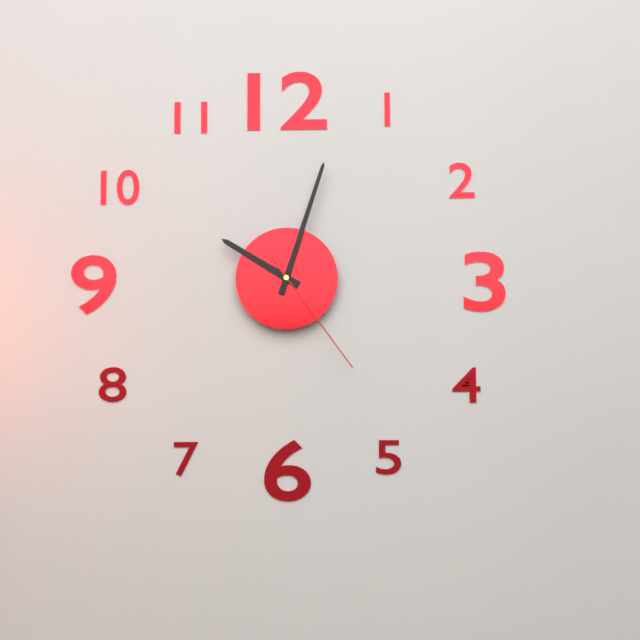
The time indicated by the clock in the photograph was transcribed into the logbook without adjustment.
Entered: 10:03:24
